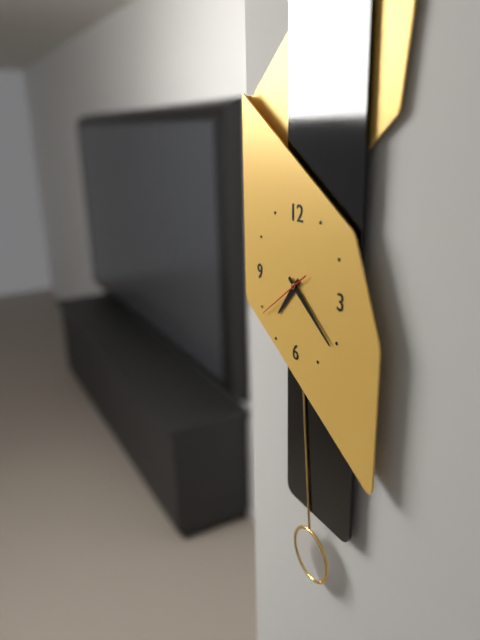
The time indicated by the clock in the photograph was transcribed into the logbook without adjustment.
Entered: 7:21
